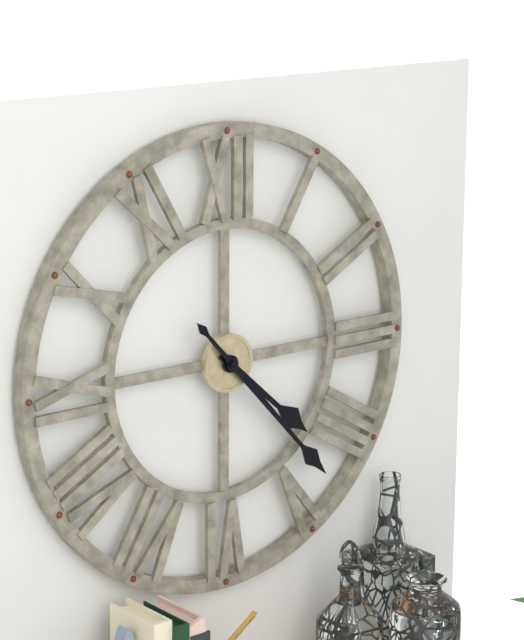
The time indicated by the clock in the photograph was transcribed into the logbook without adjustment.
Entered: 4:23
